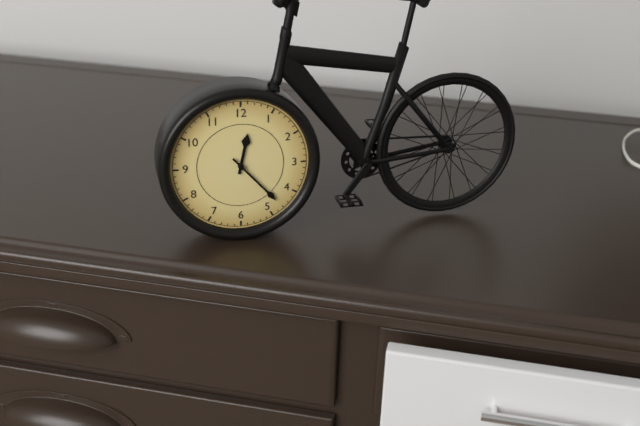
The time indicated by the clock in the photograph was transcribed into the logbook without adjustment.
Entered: 12:23
